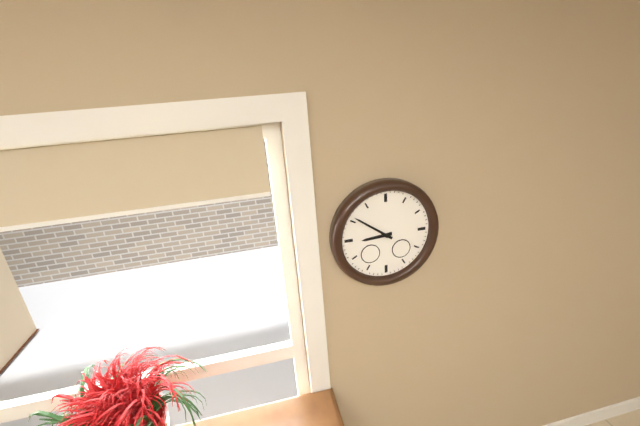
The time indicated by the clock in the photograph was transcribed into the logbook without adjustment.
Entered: 8:51
